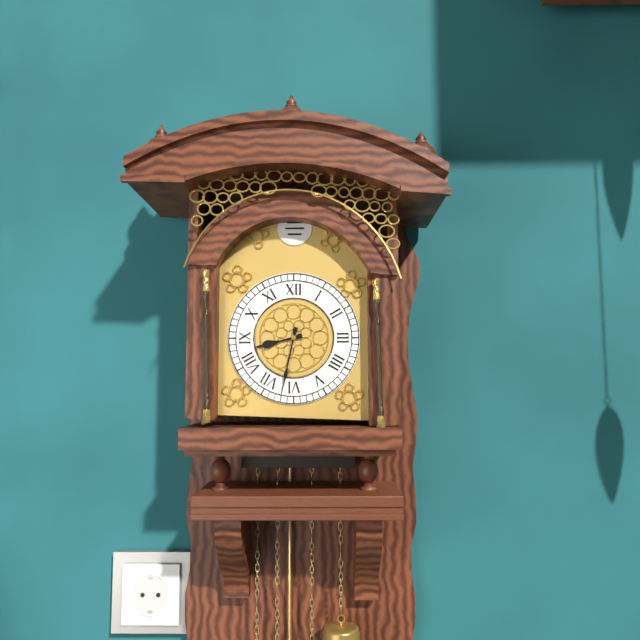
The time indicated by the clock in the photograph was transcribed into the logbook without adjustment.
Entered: 8:32
